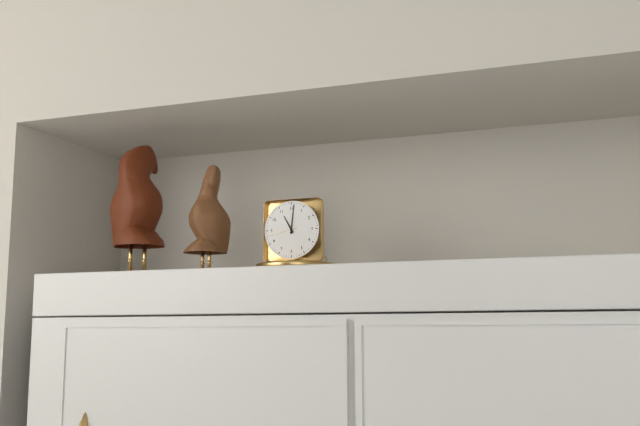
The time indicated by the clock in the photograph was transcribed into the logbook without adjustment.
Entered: 11:01
